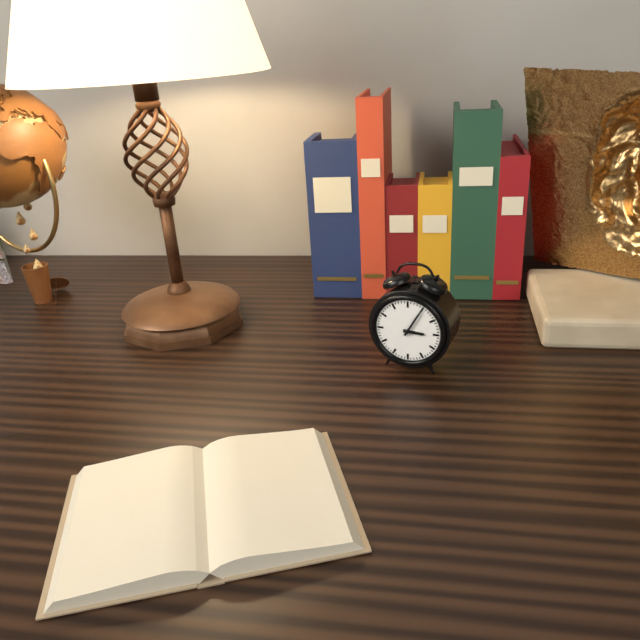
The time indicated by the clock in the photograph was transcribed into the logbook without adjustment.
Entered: 3:05
